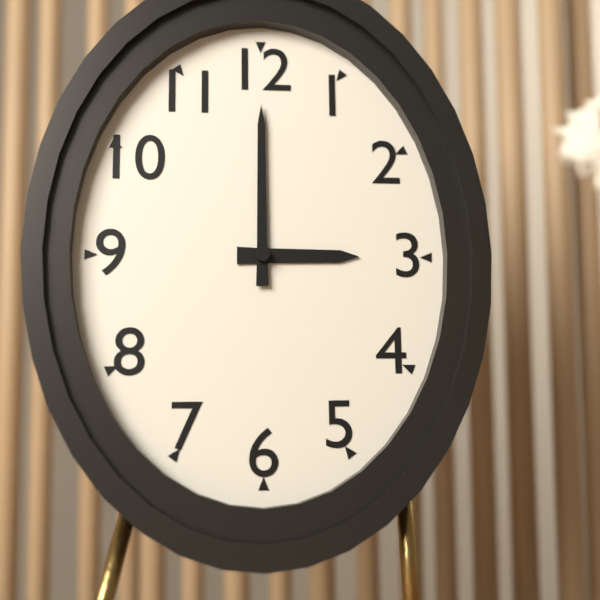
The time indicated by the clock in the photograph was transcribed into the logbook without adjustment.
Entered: 3:00
